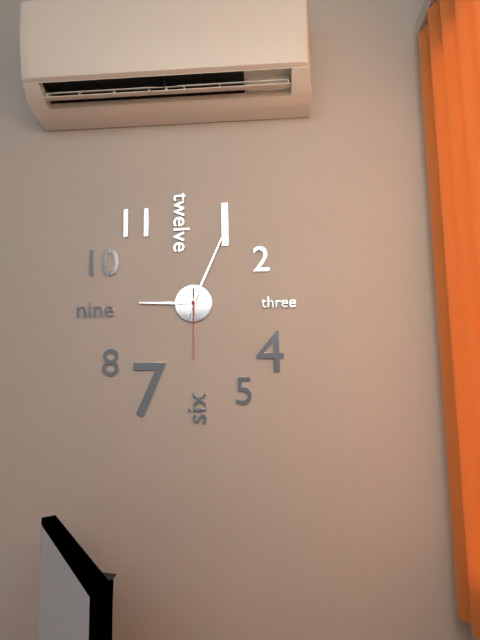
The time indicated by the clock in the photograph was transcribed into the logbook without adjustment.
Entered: 9:04:30
